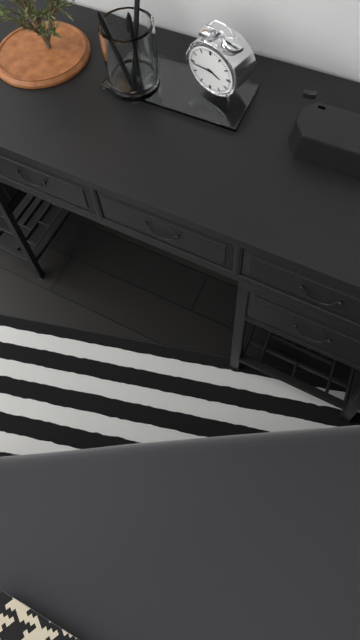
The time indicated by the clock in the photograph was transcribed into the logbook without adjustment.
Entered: 3:44
